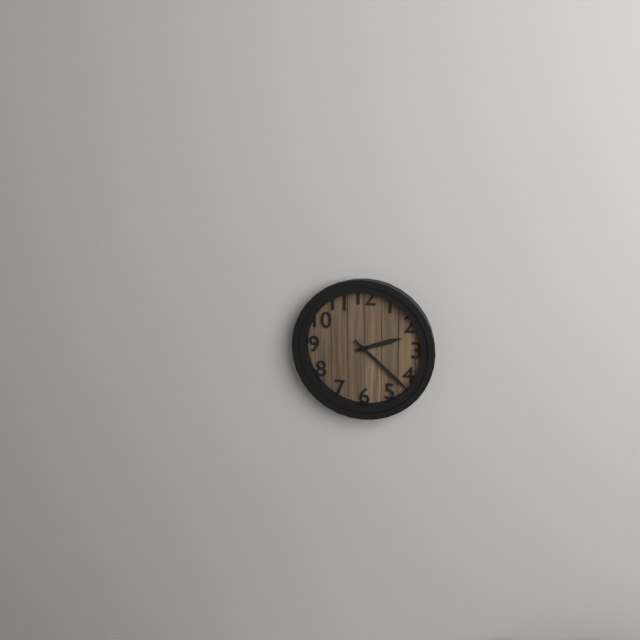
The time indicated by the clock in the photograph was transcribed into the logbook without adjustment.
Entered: 2:22
